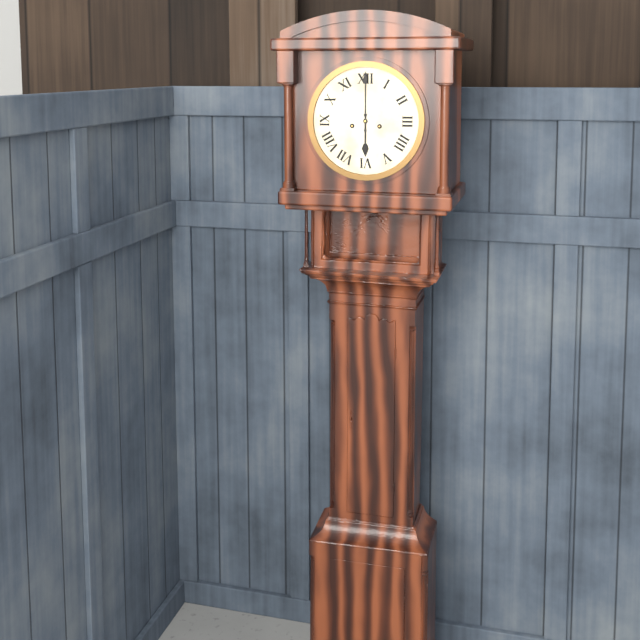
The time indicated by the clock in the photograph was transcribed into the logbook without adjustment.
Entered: 6:00
